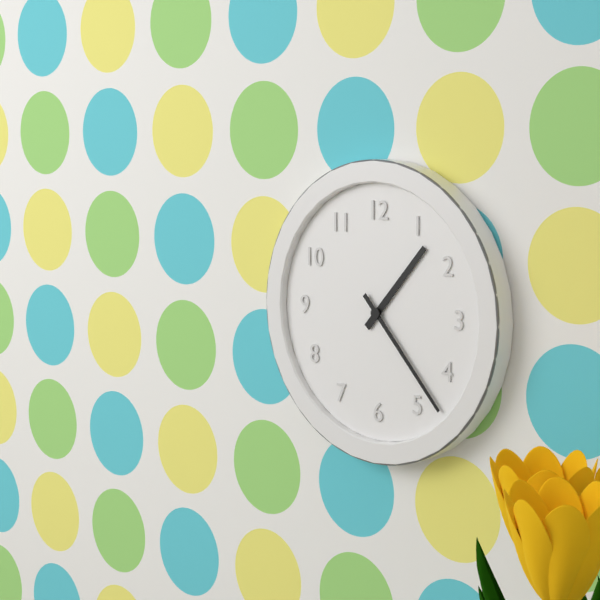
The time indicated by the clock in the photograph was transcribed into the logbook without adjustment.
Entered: 1:23
